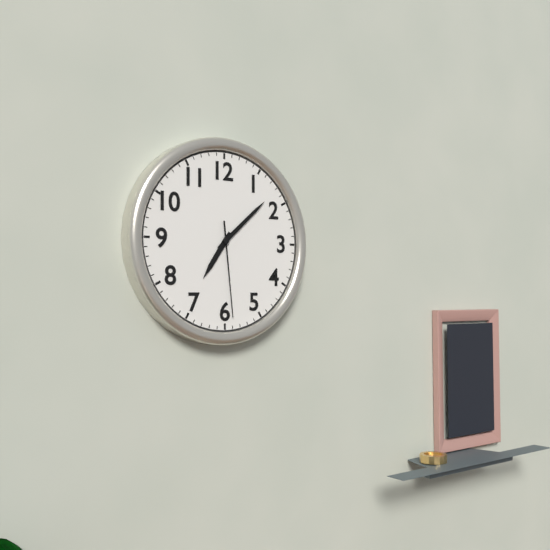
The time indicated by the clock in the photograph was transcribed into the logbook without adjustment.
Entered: 7:08:29
